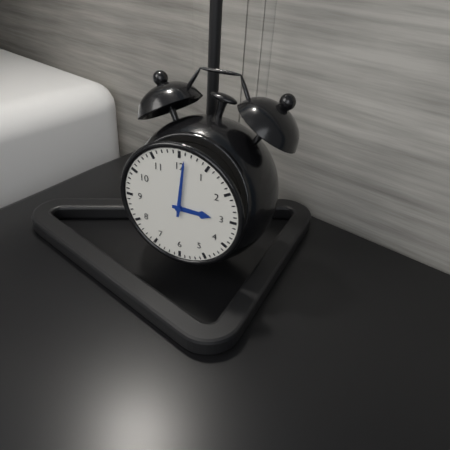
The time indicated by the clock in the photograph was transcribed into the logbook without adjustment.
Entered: 3:01
